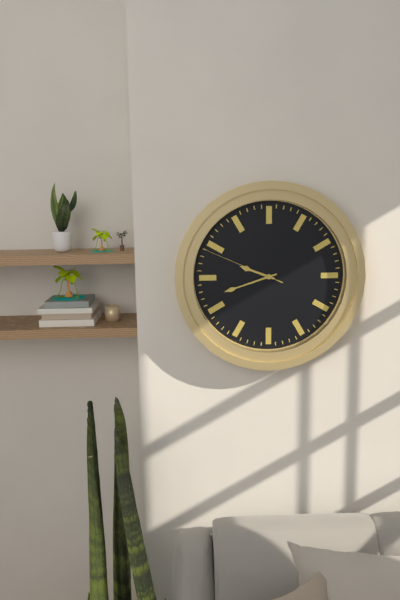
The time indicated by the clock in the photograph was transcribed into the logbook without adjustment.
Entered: 9:42:49
